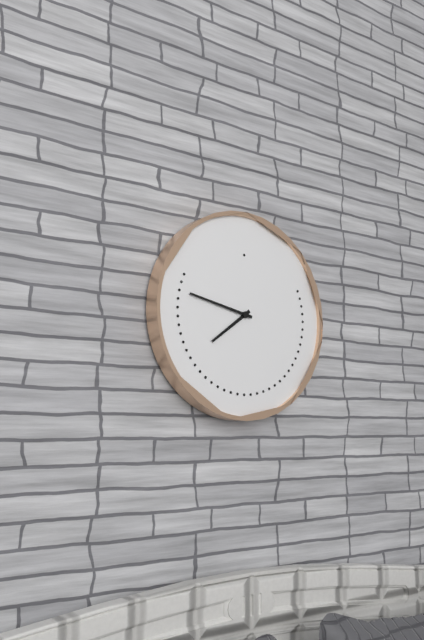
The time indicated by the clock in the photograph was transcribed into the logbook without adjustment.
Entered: 7:47
